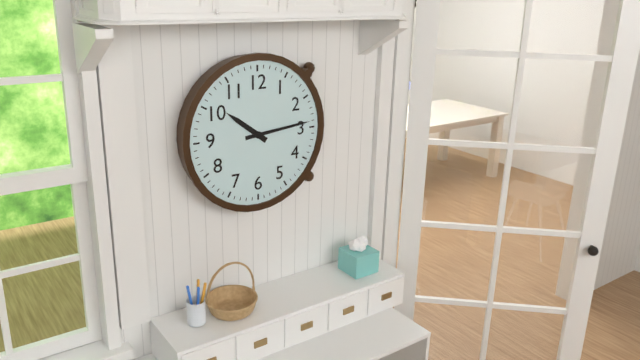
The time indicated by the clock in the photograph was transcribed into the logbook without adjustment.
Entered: 10:14
